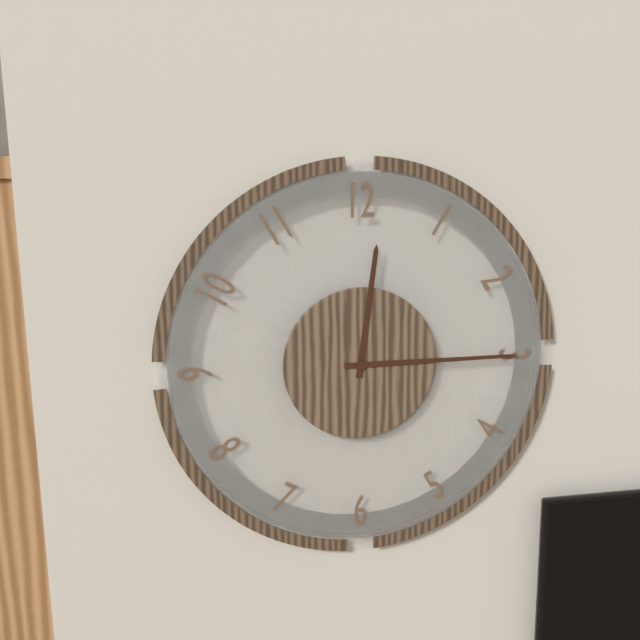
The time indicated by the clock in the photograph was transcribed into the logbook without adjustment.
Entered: 12:15
